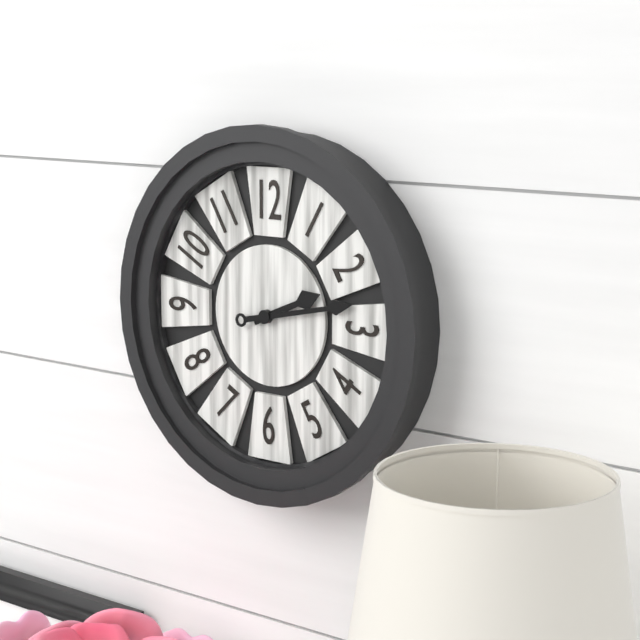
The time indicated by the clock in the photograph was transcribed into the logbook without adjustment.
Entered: 2:13
